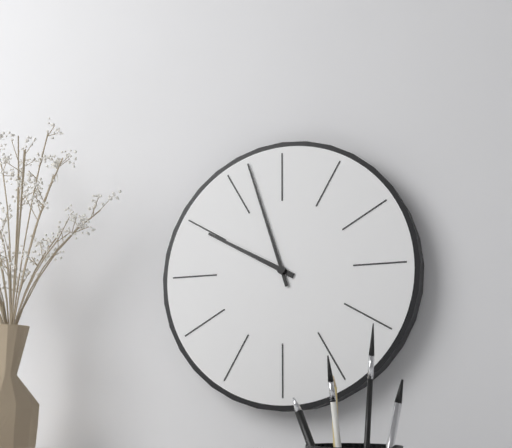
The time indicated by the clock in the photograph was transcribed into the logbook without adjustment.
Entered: 9:57
